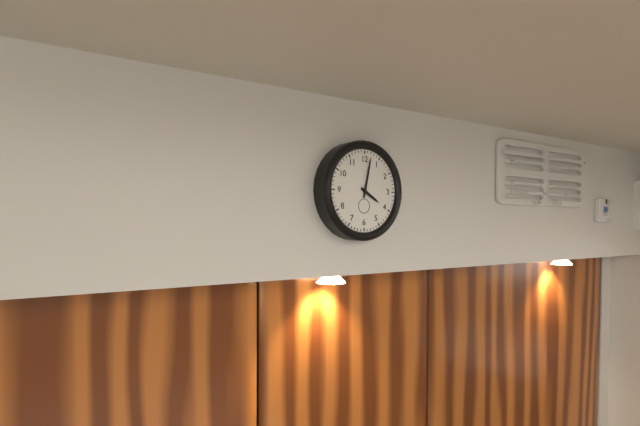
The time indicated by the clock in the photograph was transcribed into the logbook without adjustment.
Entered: 4:02
